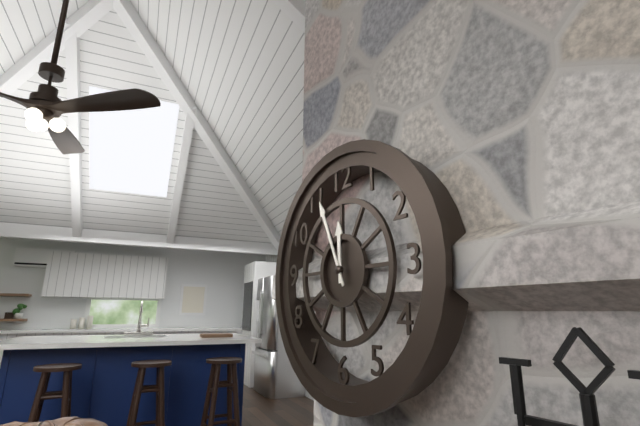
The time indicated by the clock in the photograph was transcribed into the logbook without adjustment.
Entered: 11:56
